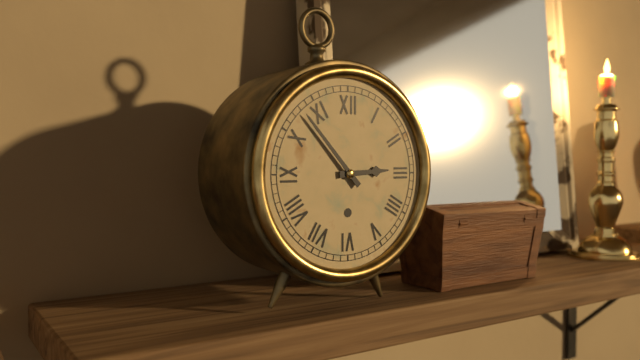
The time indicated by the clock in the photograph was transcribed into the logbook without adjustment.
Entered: 2:53
